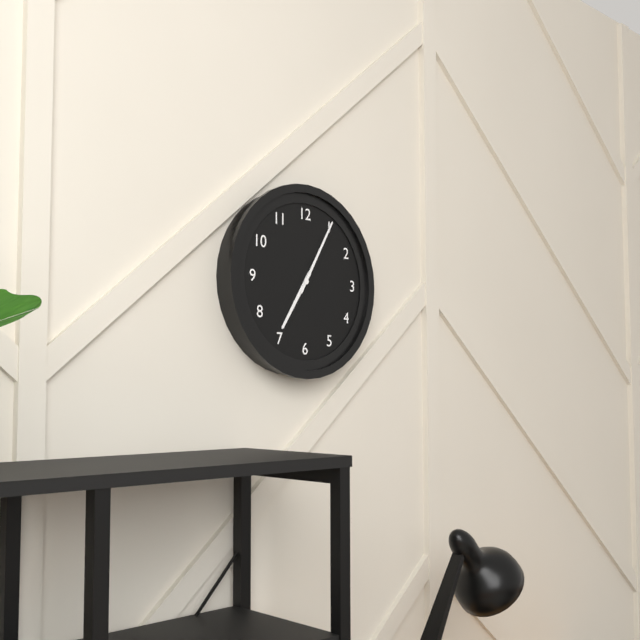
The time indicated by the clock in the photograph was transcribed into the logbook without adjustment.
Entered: 7:05
